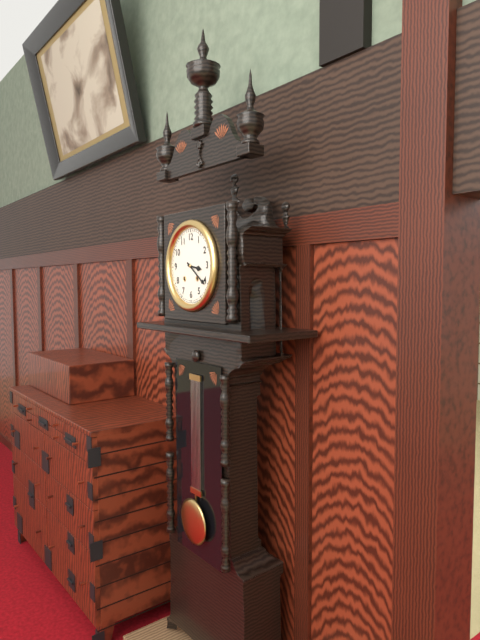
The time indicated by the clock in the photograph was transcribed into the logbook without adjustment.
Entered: 3:21
